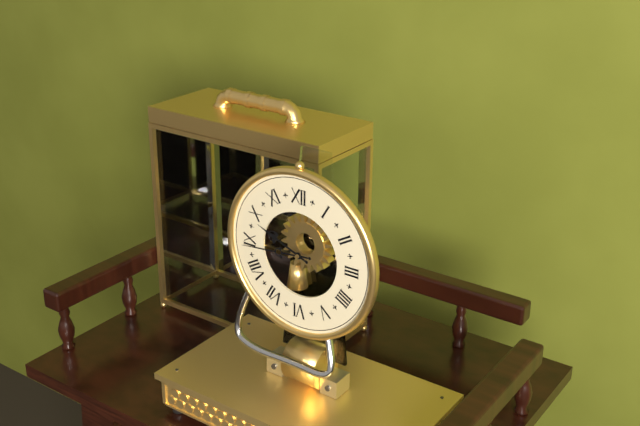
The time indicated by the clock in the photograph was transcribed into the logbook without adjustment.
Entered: 9:44
